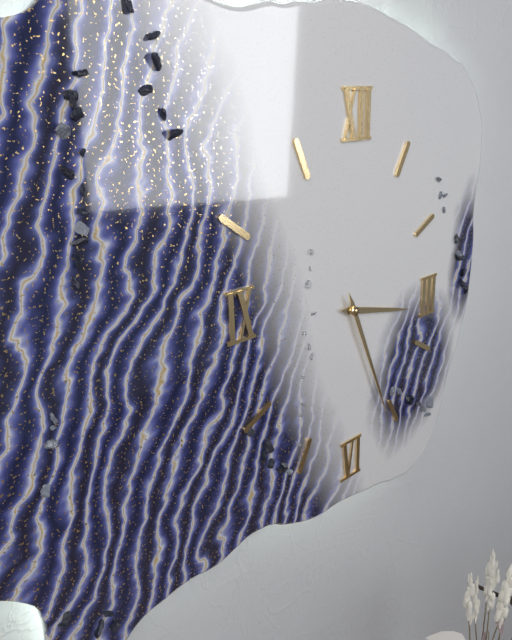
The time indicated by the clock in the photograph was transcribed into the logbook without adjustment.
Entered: 3:26
